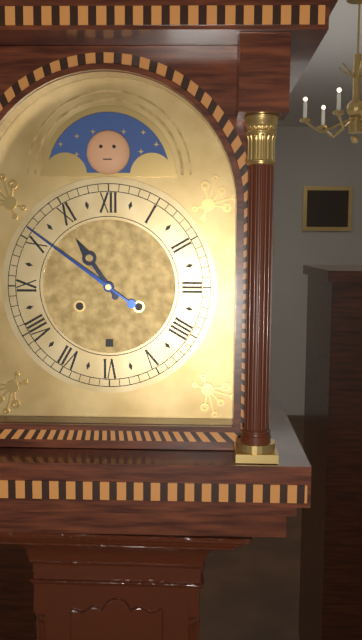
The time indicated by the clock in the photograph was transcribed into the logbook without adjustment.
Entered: 10:51
